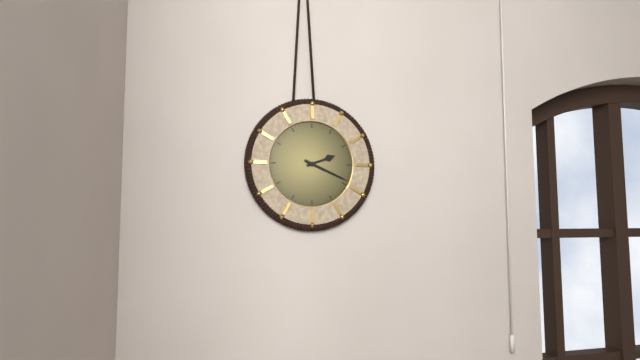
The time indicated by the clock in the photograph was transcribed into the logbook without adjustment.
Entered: 2:19
